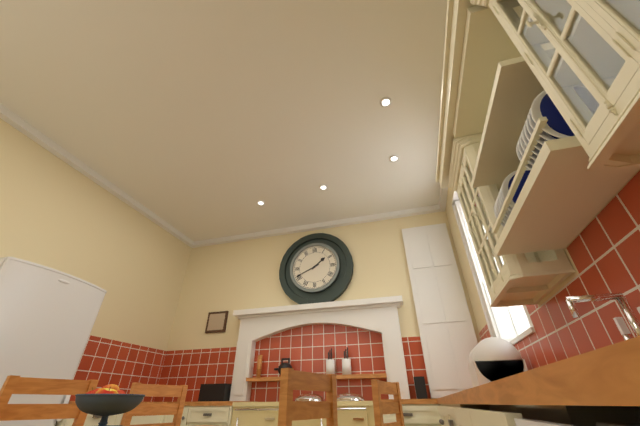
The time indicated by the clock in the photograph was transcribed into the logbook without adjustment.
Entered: 1:41
